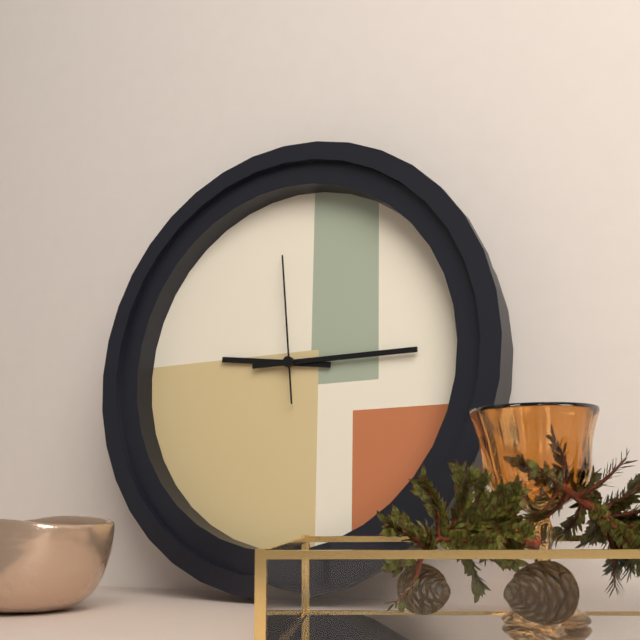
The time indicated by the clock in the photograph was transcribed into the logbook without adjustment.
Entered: 9:15:59
